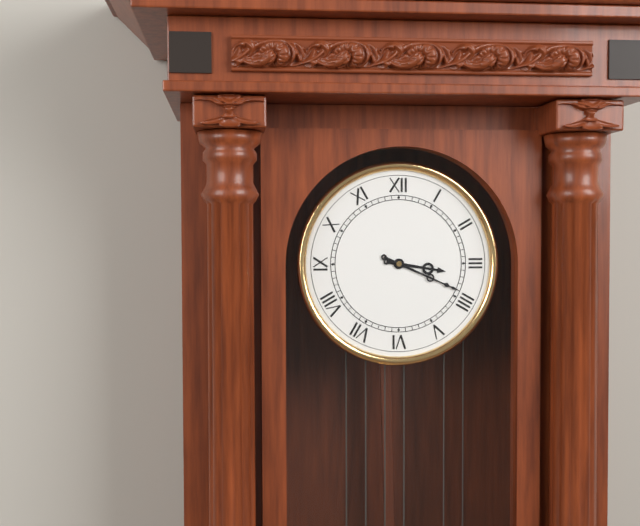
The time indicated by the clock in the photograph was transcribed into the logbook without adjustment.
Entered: 3:19
